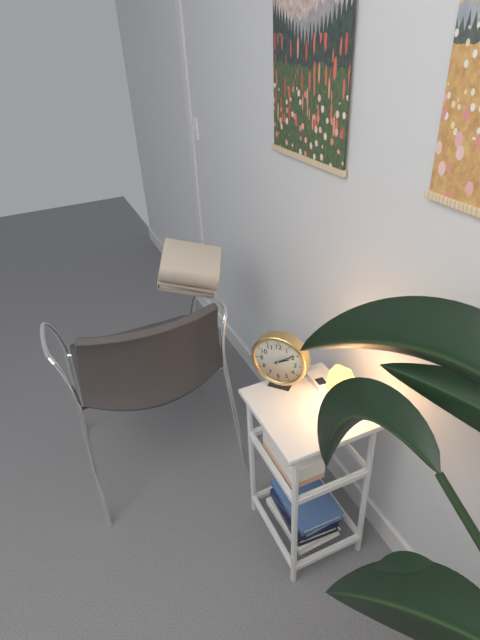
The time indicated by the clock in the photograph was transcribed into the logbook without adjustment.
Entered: 2:09
